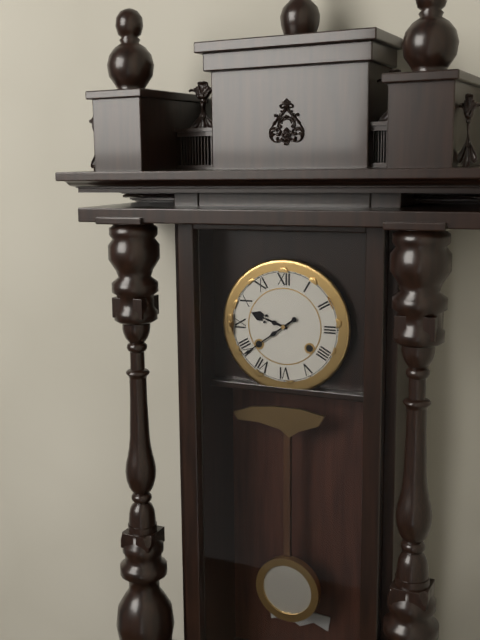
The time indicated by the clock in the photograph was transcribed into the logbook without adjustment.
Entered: 9:39
